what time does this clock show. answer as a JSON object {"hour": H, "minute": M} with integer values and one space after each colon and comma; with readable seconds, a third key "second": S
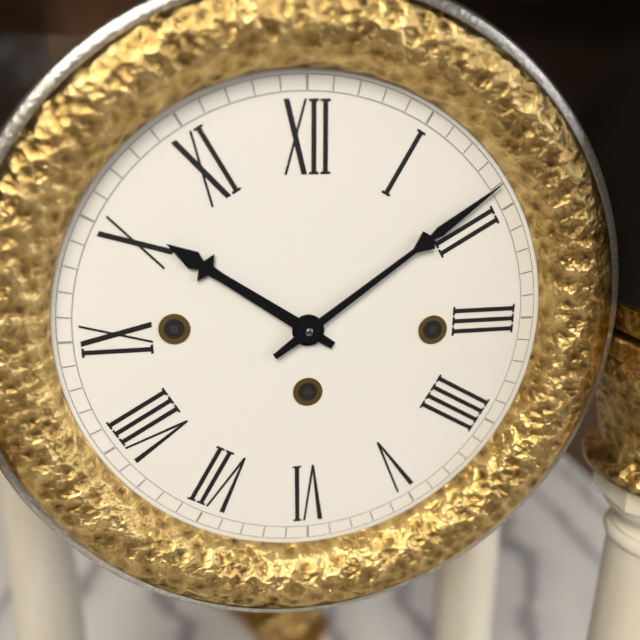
{"hour": 10, "minute": 9}
